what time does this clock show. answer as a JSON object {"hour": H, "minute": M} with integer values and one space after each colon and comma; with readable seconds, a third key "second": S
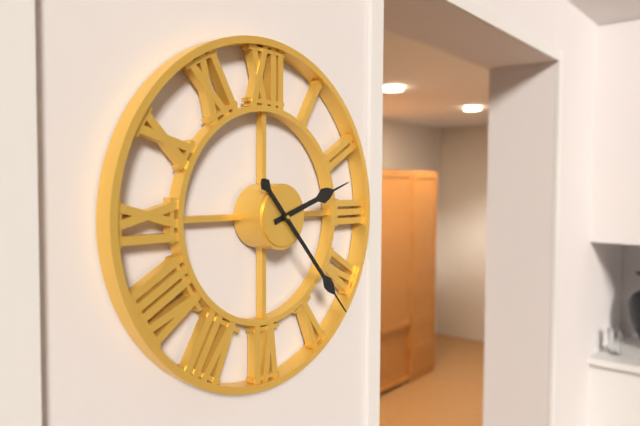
{"hour": 2, "minute": 23}
